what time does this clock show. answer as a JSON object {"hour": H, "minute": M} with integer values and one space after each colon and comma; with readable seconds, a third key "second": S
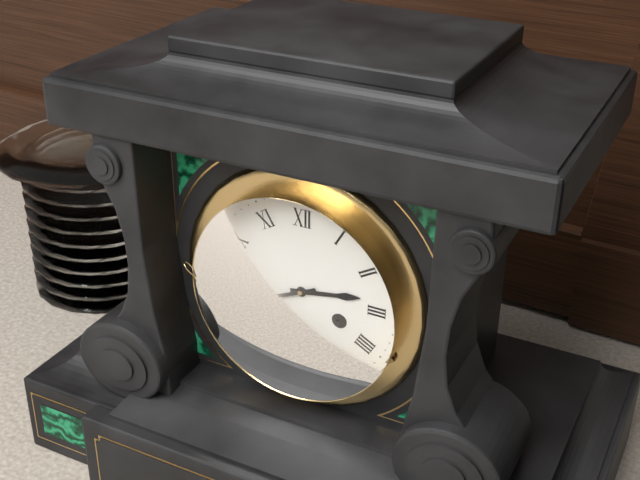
{"hour": 2, "minute": 41}
